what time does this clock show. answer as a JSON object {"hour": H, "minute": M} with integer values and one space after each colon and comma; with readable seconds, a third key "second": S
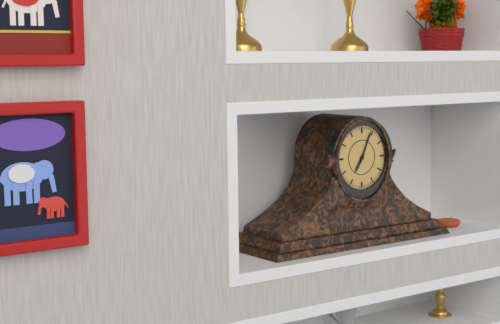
{"hour": 7, "minute": 4}
